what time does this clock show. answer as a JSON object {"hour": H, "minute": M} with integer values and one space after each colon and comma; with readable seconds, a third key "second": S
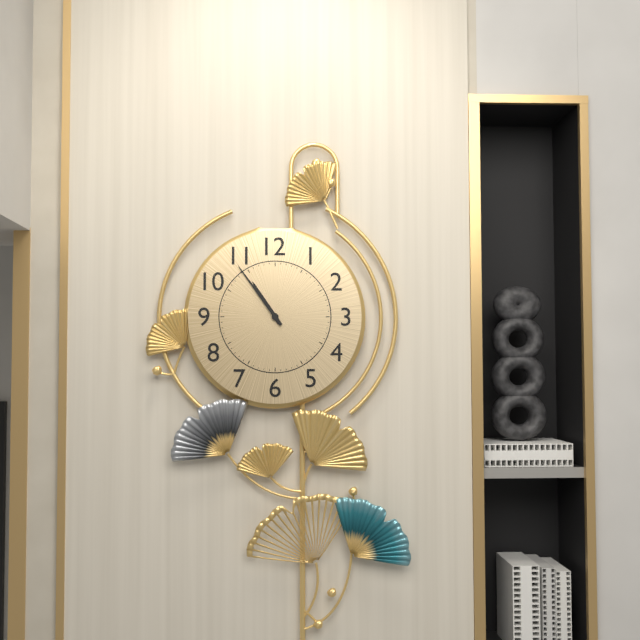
{"hour": 10, "minute": 54}
